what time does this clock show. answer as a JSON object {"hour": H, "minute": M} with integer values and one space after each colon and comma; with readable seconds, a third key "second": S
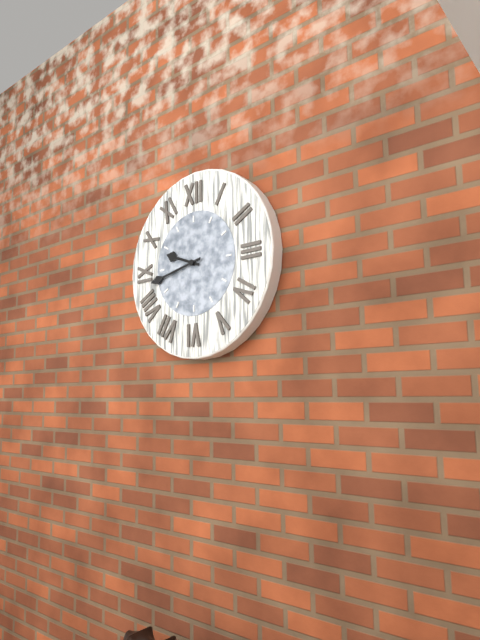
{"hour": 9, "minute": 43}
